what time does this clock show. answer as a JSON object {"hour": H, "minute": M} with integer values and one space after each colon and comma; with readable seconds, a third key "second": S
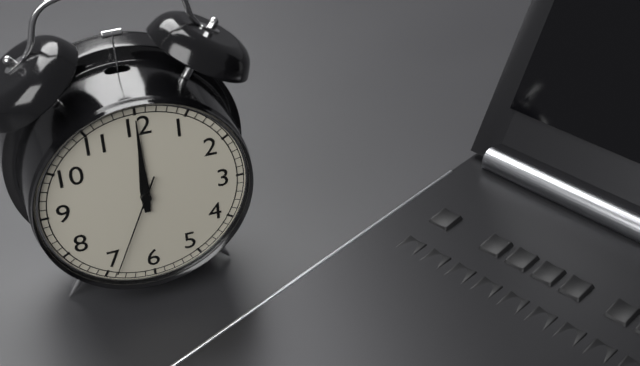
{"hour": 12, "minute": 0, "second": 34}
